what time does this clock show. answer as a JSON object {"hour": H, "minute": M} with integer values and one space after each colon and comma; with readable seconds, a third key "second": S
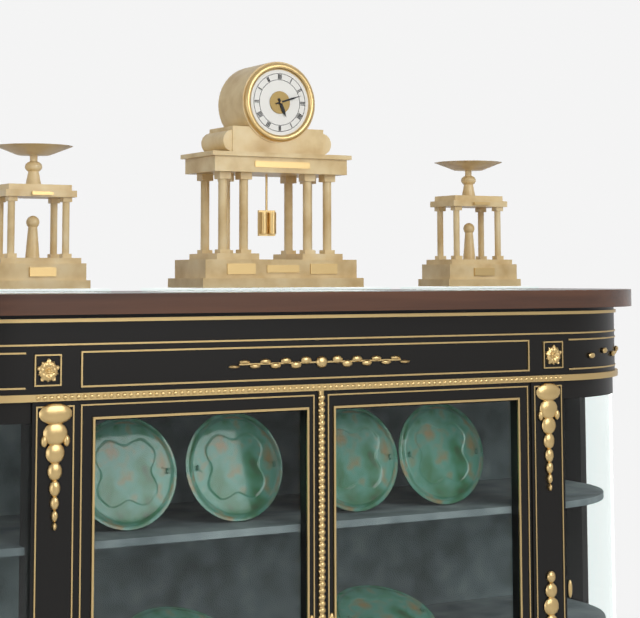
{"hour": 5, "minute": 12}
